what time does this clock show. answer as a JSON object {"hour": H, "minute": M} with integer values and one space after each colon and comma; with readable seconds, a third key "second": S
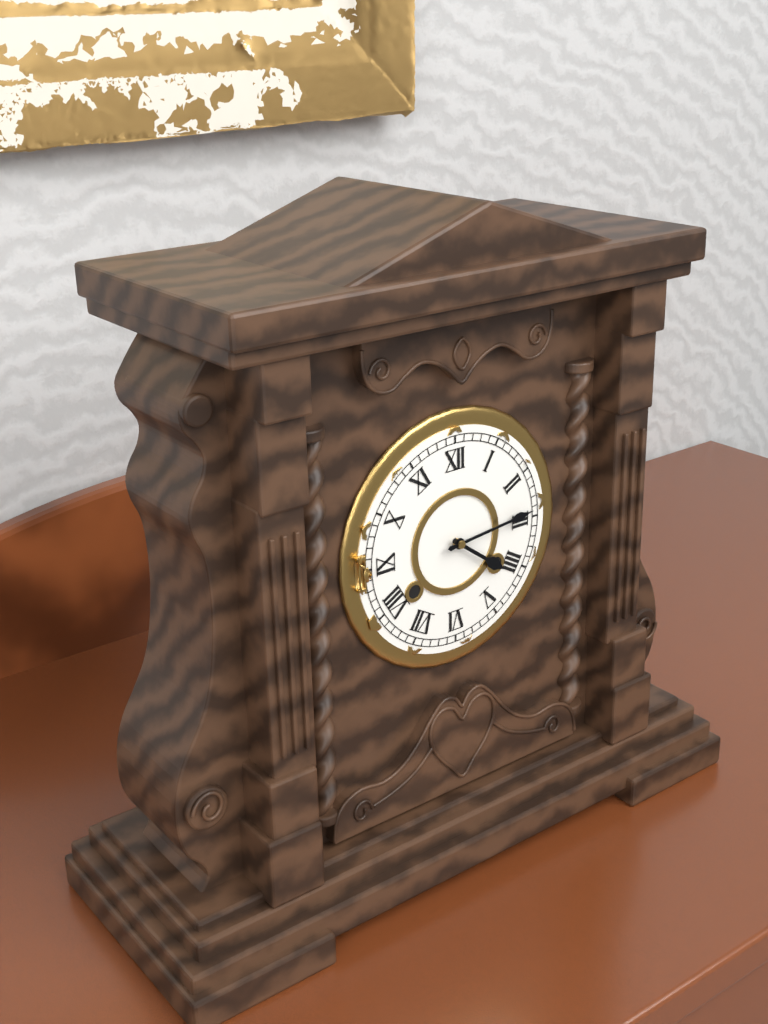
{"hour": 4, "minute": 14}
